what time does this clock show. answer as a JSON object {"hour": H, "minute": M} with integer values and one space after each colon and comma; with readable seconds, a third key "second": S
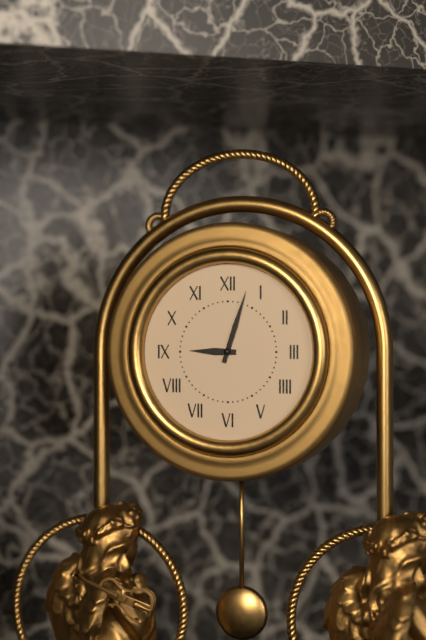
{"hour": 9, "minute": 3}
